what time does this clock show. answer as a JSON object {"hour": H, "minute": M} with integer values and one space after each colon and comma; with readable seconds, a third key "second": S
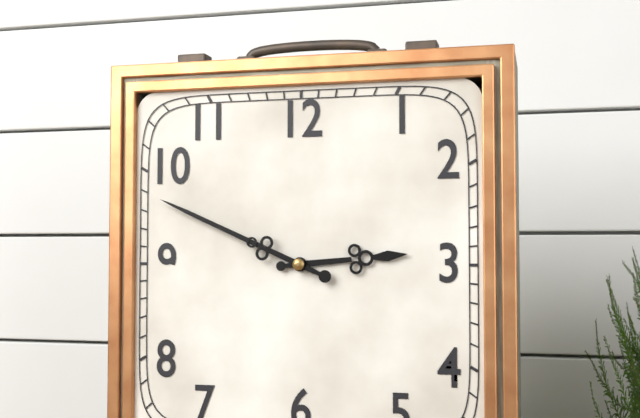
{"hour": 2, "minute": 49}
